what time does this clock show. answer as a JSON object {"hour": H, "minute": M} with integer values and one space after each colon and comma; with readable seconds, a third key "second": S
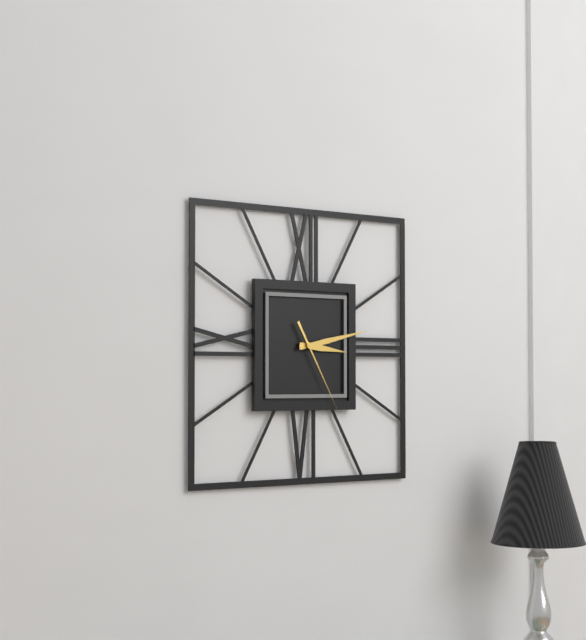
{"hour": 3, "minute": 13, "second": 25}
